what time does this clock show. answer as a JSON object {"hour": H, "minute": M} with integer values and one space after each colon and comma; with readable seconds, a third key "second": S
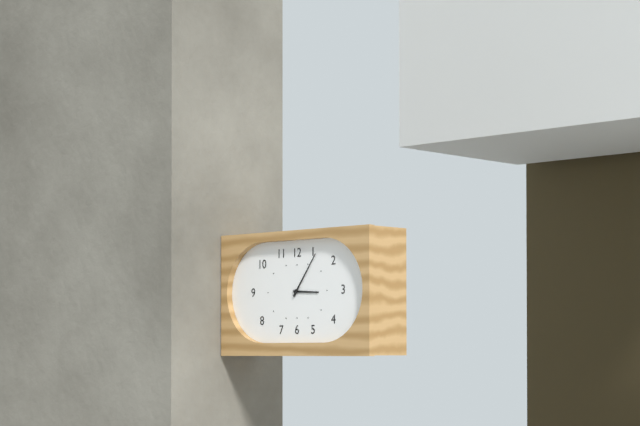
{"hour": 3, "minute": 6}
